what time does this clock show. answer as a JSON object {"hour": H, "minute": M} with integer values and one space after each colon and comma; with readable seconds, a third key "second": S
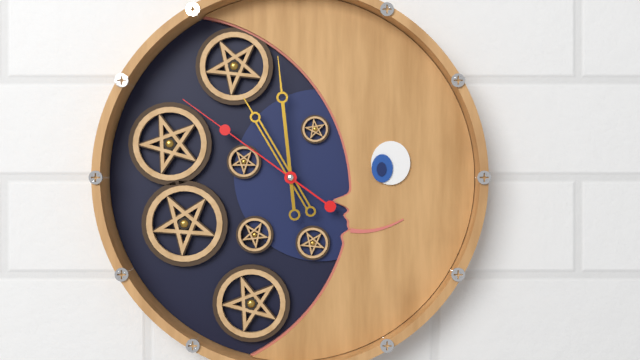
{"hour": 10, "minute": 59, "second": 51}
